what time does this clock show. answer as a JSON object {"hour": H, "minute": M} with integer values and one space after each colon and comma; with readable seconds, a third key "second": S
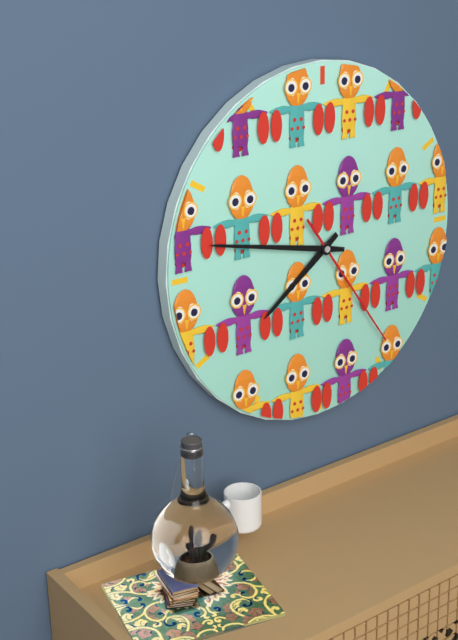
{"hour": 7, "minute": 47, "second": 24}
